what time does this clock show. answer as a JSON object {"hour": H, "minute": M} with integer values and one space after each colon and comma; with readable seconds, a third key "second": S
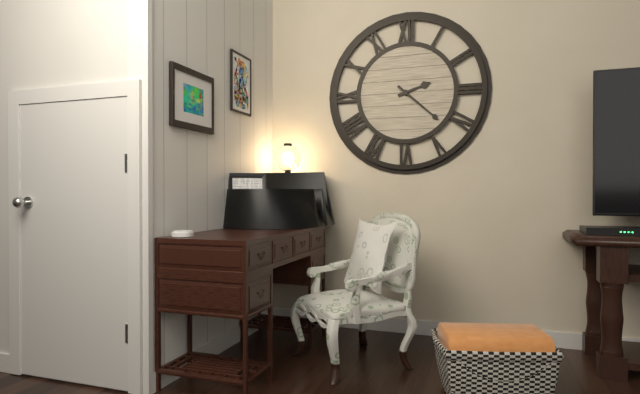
{"hour": 2, "minute": 22}
